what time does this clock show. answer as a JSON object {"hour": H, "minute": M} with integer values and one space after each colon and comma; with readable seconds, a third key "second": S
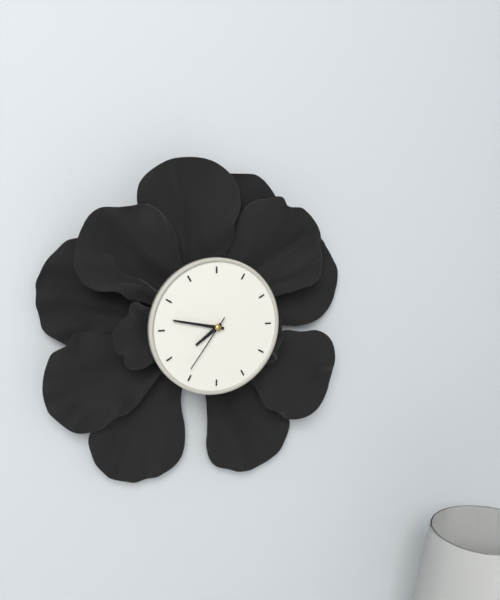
{"hour": 7, "minute": 47, "second": 36}
